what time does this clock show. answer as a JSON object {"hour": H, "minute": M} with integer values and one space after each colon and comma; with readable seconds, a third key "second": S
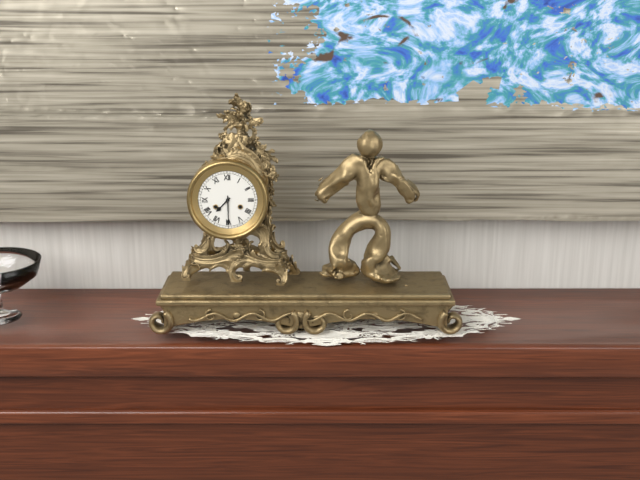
{"hour": 7, "minute": 30}
